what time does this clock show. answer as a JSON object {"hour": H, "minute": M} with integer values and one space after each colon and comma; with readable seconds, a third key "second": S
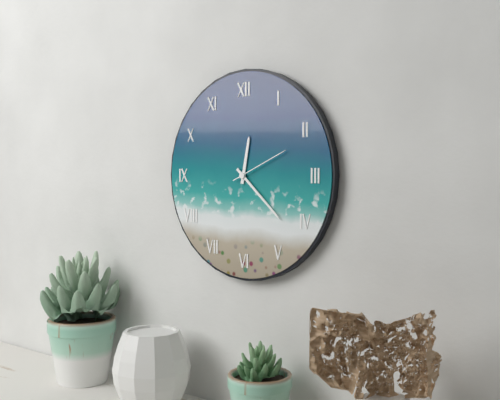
{"hour": 12, "minute": 22, "second": 11}
